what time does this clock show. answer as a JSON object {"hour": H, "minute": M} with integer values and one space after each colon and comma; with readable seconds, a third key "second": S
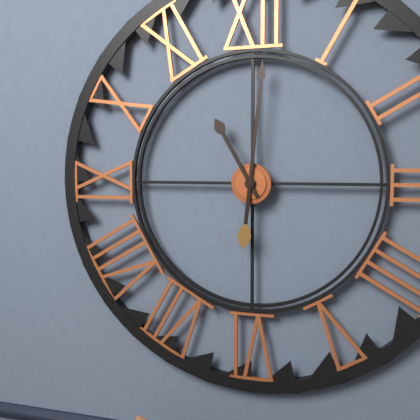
{"hour": 11, "minute": 1}
